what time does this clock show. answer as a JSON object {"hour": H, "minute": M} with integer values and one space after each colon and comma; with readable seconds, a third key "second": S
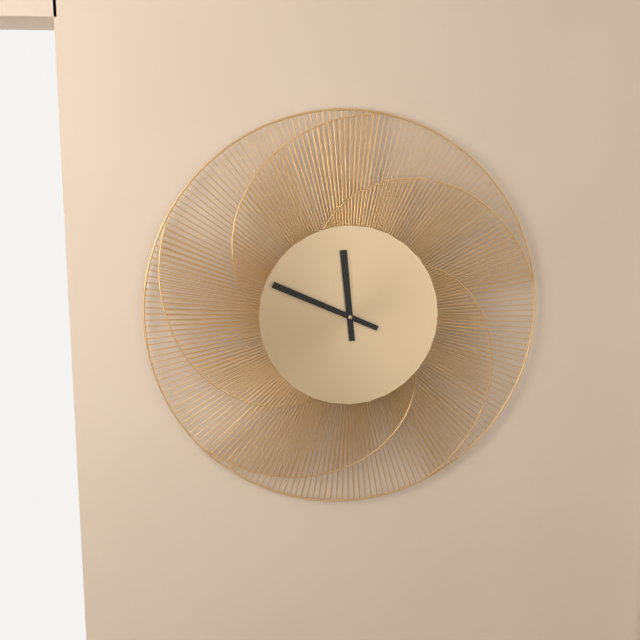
{"hour": 11, "minute": 49}
